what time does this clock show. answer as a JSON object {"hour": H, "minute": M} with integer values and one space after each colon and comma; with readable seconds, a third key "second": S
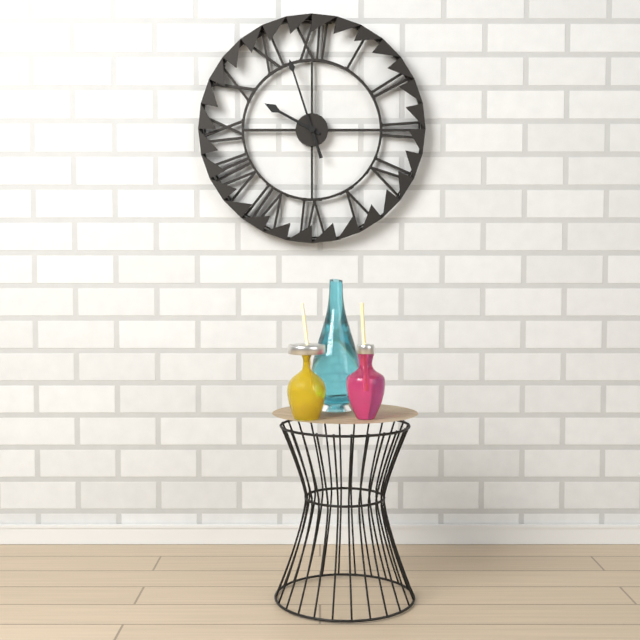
{"hour": 9, "minute": 57}
